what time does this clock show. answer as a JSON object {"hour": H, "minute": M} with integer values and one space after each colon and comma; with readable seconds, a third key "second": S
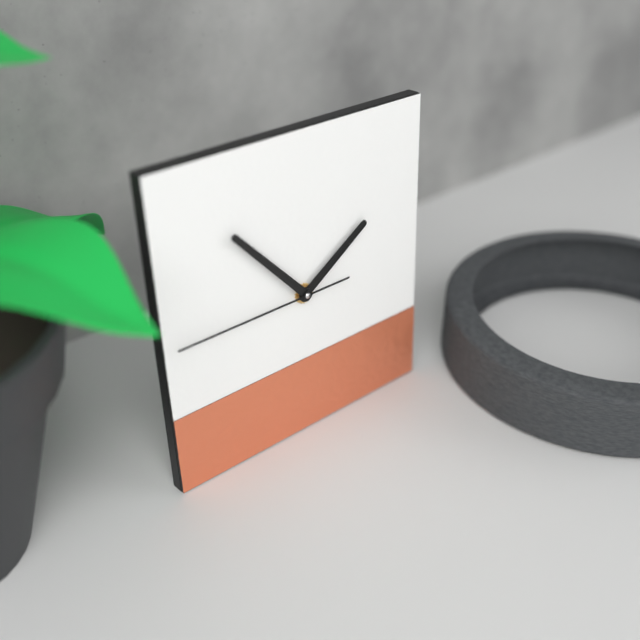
{"hour": 1, "minute": 53, "second": 45}
